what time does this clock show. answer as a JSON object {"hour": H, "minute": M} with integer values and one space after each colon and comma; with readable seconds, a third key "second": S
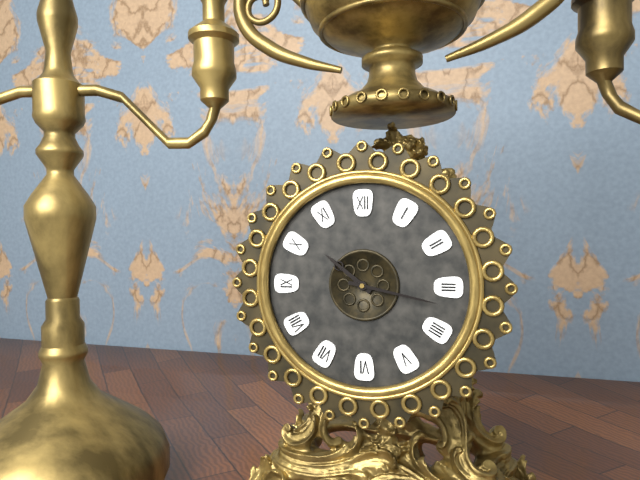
{"hour": 10, "minute": 17}
